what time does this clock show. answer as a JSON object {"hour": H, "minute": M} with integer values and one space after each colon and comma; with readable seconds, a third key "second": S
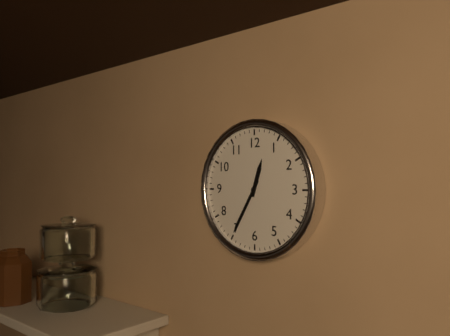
{"hour": 12, "minute": 35}
